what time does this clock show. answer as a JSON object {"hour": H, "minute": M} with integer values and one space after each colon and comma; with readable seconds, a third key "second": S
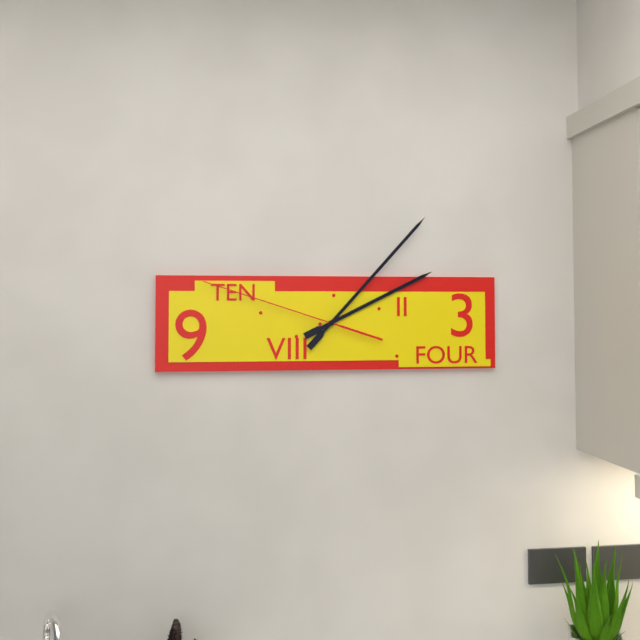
{"hour": 2, "minute": 7, "second": 48}
